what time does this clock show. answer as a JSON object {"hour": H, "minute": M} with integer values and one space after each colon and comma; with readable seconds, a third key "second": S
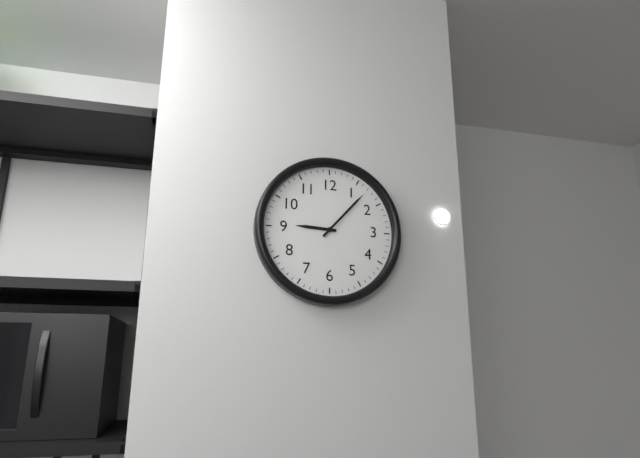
{"hour": 9, "minute": 7}
